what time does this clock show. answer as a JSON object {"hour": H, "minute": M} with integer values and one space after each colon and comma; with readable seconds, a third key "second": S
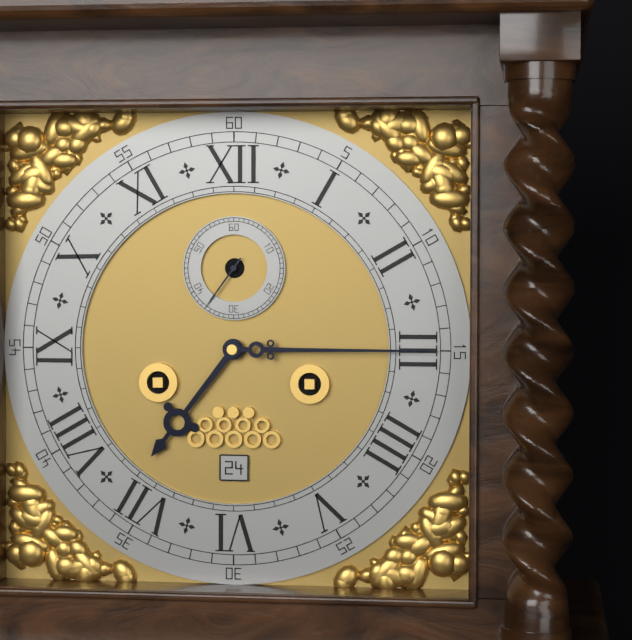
{"hour": 7, "minute": 15, "second": 36}
